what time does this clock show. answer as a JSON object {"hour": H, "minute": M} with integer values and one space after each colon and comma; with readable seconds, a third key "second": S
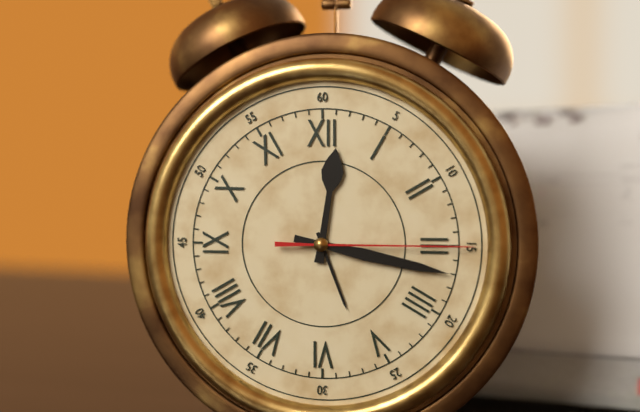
{"hour": 12, "minute": 17, "second": 15}
